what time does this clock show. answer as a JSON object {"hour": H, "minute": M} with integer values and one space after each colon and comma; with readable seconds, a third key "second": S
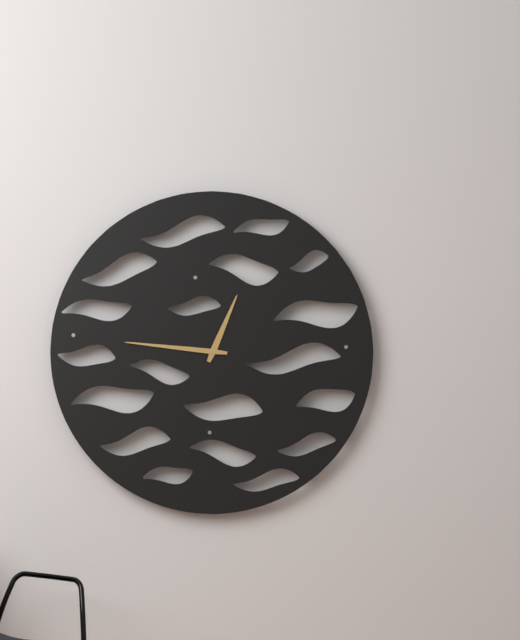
{"hour": 12, "minute": 46}
